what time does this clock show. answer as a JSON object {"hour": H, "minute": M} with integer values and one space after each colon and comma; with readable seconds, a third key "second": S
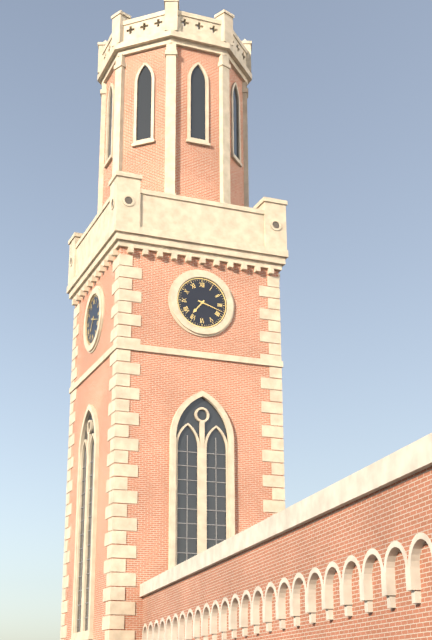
{"hour": 7, "minute": 18}
